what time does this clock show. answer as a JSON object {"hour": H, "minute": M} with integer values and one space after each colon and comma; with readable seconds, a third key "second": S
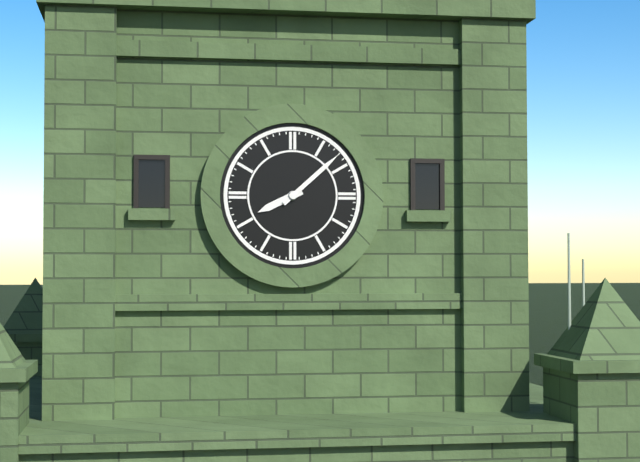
{"hour": 8, "minute": 8}
